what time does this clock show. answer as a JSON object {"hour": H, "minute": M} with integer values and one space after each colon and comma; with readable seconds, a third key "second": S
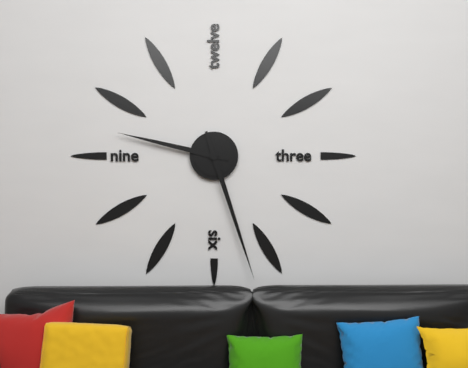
{"hour": 9, "minute": 27}
